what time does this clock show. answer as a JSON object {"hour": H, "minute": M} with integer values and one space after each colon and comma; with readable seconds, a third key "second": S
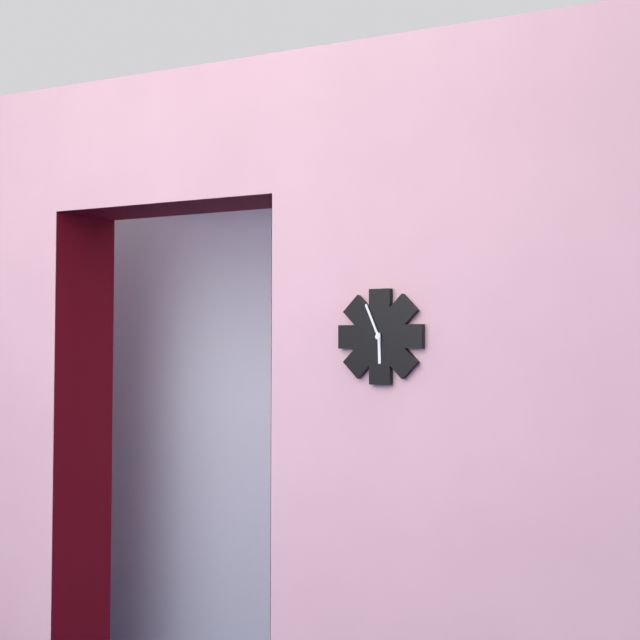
{"hour": 5, "minute": 56}
